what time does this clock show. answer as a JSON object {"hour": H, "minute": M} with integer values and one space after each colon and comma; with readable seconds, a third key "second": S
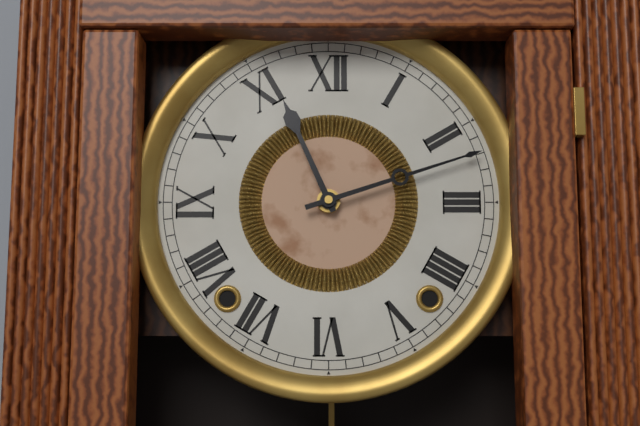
{"hour": 11, "minute": 12}
